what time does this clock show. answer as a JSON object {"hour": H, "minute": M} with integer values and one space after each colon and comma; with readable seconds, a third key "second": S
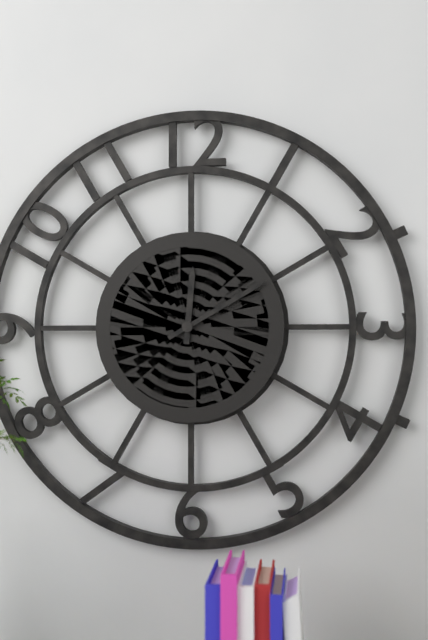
{"hour": 12, "minute": 10}
